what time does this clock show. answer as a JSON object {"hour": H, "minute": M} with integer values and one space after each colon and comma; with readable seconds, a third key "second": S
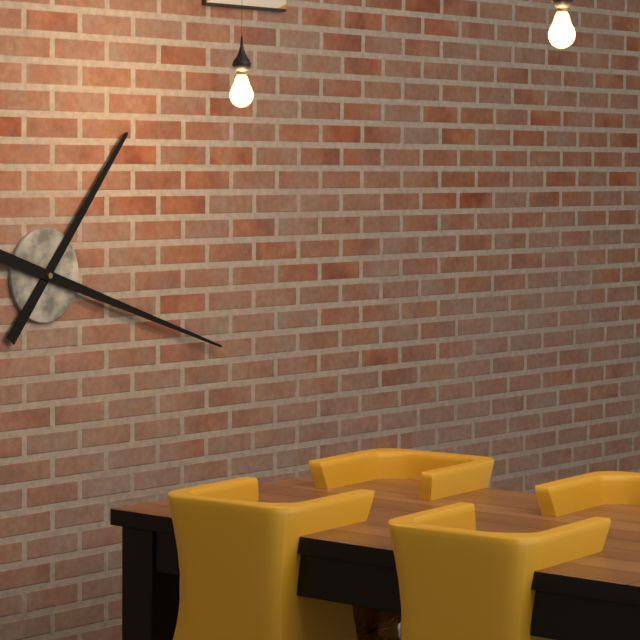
{"hour": 1, "minute": 18}
